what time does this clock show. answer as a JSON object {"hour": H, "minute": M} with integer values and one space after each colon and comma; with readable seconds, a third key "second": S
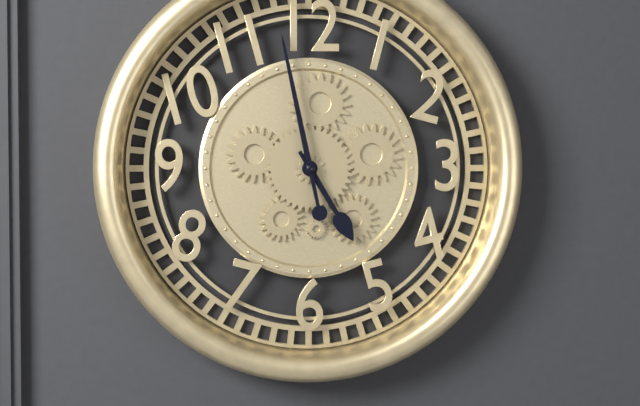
{"hour": 4, "minute": 58}
